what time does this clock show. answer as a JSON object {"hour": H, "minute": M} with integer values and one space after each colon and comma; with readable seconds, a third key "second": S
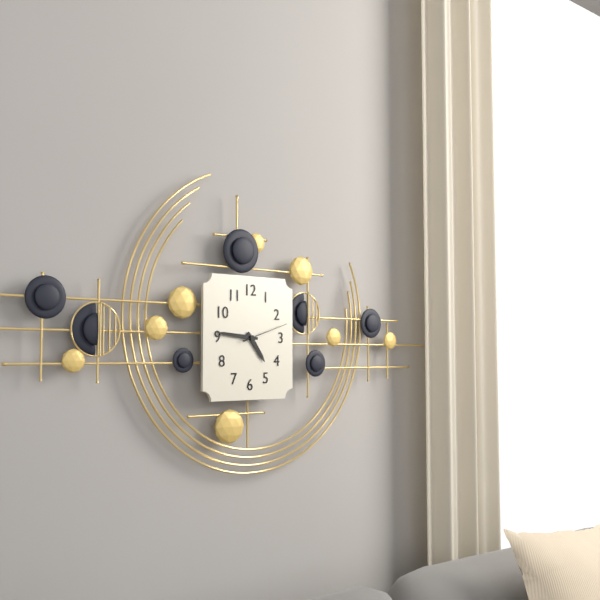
{"hour": 4, "minute": 46}
